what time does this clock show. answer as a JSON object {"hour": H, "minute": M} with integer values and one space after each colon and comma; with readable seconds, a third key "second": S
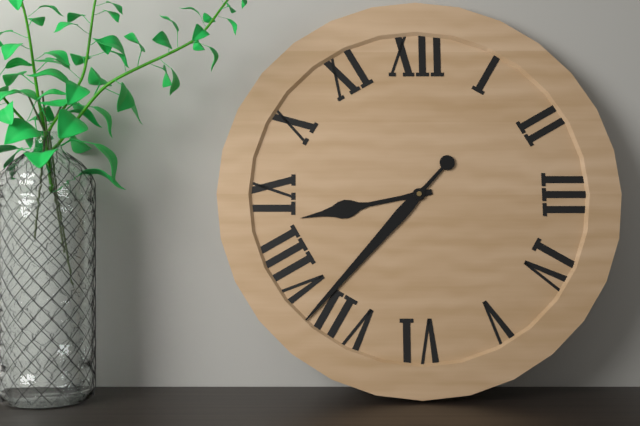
{"hour": 8, "minute": 37}
